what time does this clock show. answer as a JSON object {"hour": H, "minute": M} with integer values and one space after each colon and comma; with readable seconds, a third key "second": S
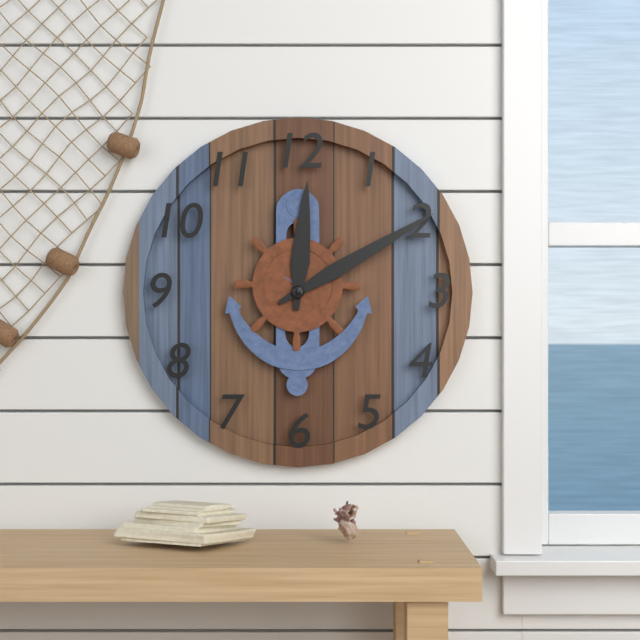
{"hour": 12, "minute": 10}
